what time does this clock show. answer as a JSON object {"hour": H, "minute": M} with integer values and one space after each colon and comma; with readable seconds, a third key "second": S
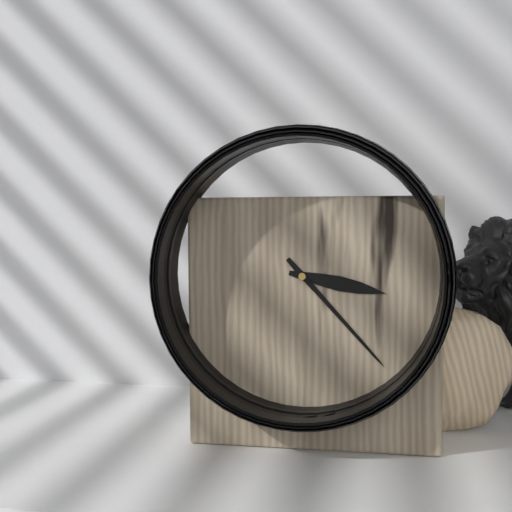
{"hour": 3, "minute": 23}
